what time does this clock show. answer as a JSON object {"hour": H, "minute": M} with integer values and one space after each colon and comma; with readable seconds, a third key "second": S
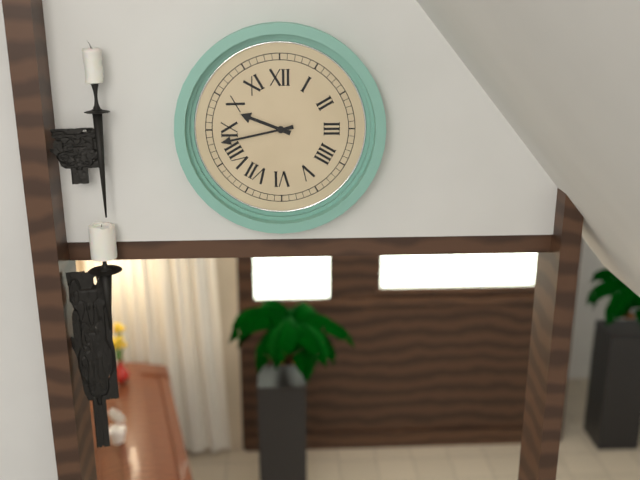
{"hour": 9, "minute": 43}
